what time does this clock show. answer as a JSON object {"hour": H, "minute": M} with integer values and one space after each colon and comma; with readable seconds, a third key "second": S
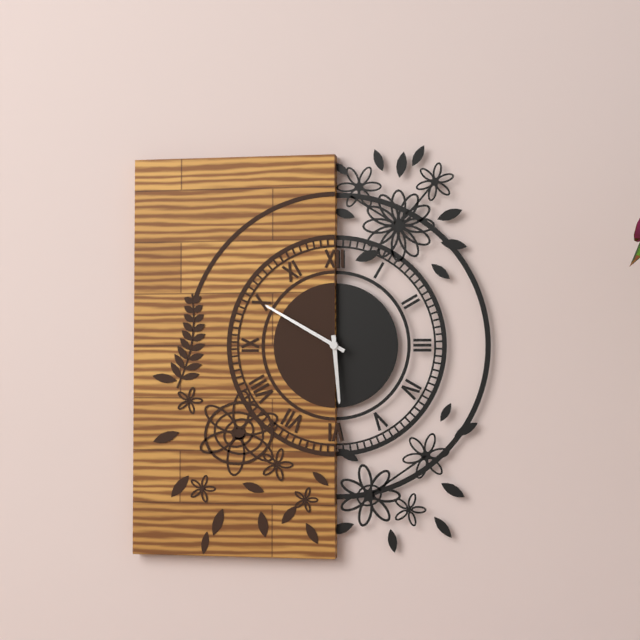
{"hour": 5, "minute": 50}
